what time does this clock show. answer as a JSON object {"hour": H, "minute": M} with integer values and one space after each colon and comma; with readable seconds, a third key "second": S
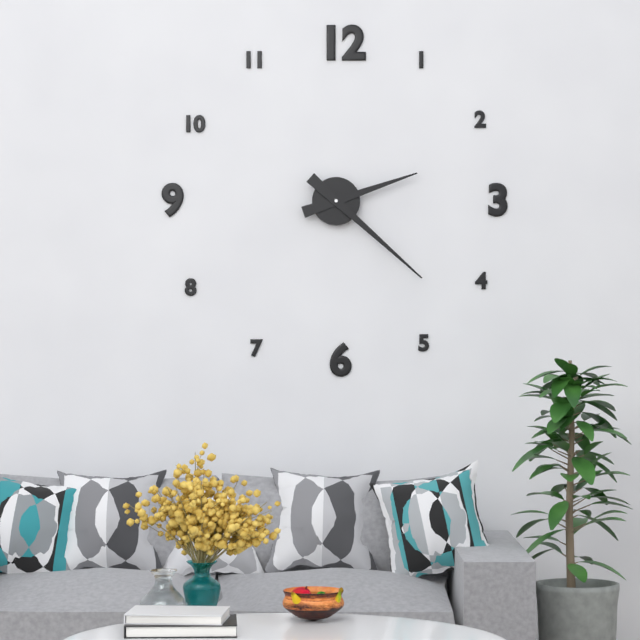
{"hour": 2, "minute": 22}
